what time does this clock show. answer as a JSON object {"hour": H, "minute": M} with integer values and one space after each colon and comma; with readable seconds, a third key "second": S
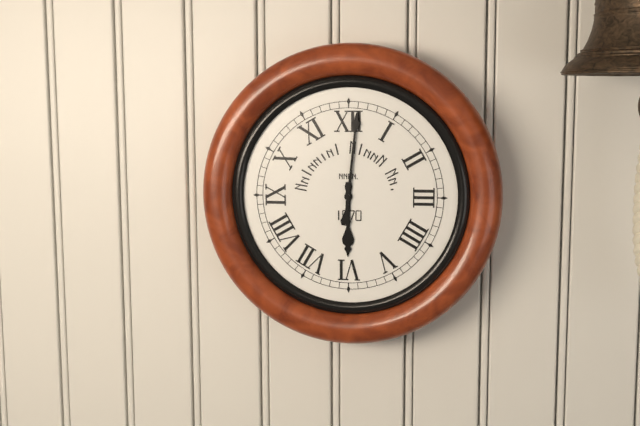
{"hour": 6, "minute": 1}
